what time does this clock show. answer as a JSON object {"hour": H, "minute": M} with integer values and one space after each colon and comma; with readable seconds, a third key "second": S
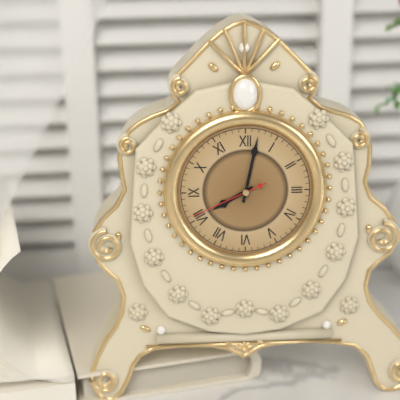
{"hour": 8, "minute": 2, "second": 41}
